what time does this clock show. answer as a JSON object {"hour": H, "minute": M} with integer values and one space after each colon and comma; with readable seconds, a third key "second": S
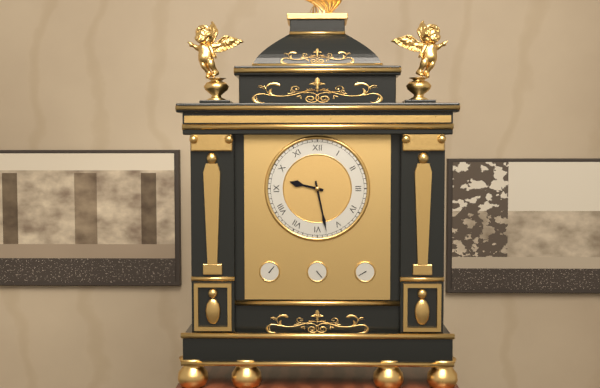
{"hour": 9, "minute": 28}
